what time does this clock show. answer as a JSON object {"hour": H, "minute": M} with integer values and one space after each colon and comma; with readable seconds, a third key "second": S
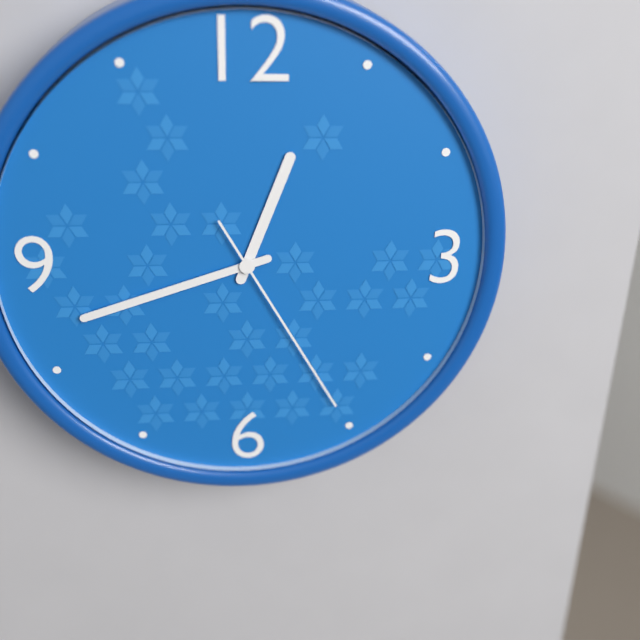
{"hour": 12, "minute": 42, "second": 25}
